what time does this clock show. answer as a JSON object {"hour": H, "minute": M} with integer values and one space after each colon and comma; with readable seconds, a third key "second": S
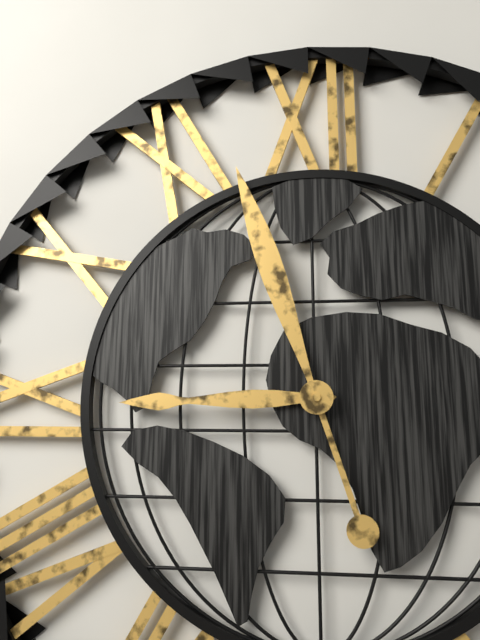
{"hour": 8, "minute": 57}
